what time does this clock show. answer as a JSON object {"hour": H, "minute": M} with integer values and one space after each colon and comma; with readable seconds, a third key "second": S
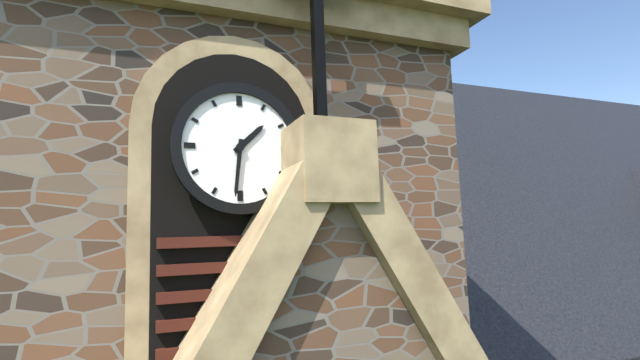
{"hour": 1, "minute": 31}
